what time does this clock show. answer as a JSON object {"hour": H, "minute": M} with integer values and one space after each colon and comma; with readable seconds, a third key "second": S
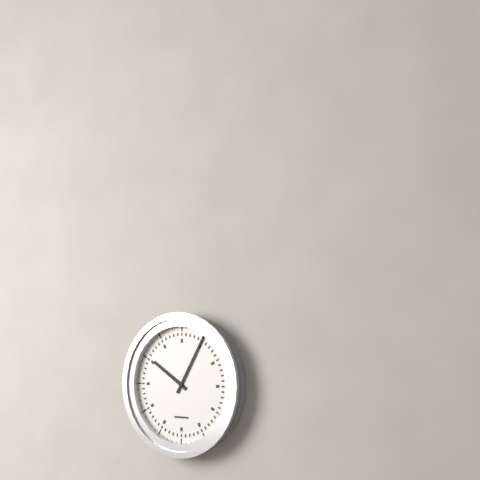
{"hour": 10, "minute": 5}
